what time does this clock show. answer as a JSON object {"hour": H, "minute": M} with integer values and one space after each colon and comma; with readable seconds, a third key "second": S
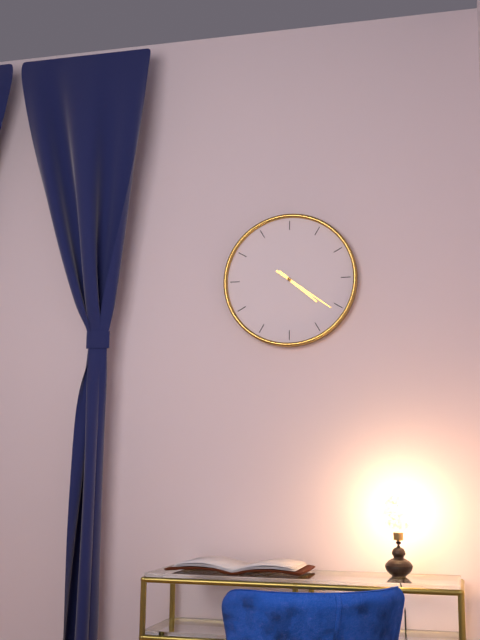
{"hour": 4, "minute": 21}
